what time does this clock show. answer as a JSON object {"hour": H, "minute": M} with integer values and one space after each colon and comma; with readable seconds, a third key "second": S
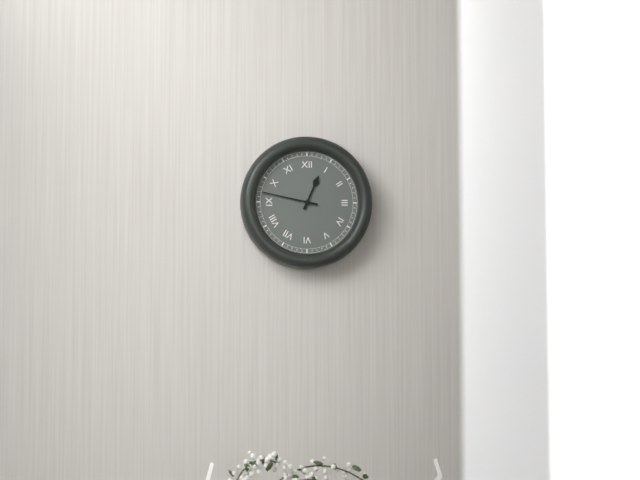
{"hour": 12, "minute": 47}
